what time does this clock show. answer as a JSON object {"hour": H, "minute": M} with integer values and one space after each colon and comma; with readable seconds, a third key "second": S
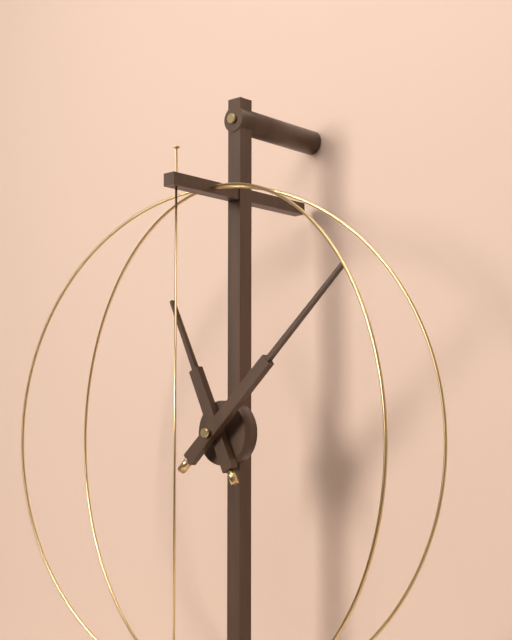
{"hour": 11, "minute": 8}
